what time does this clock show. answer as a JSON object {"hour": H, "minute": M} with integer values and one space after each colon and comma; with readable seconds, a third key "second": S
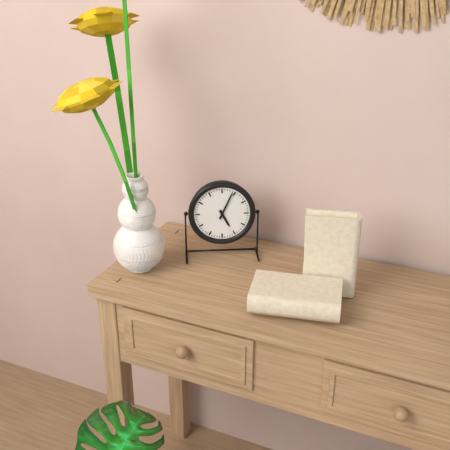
{"hour": 5, "minute": 4}
